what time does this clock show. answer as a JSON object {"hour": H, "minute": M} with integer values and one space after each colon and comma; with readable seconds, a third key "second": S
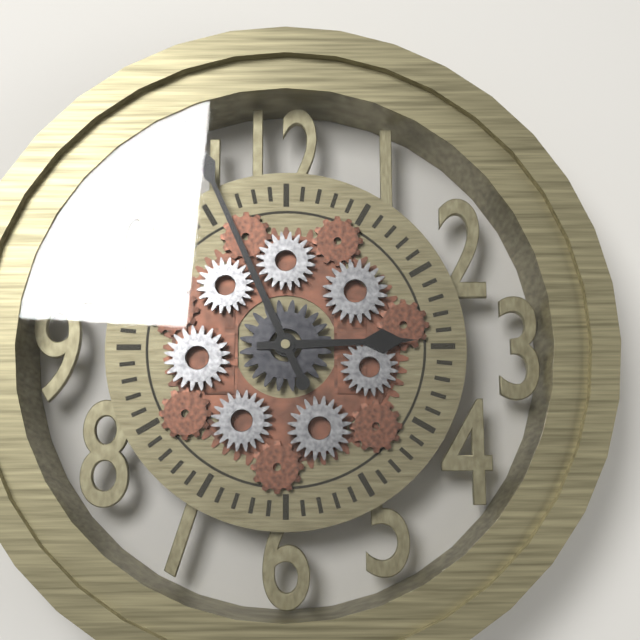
{"hour": 2, "minute": 56}
